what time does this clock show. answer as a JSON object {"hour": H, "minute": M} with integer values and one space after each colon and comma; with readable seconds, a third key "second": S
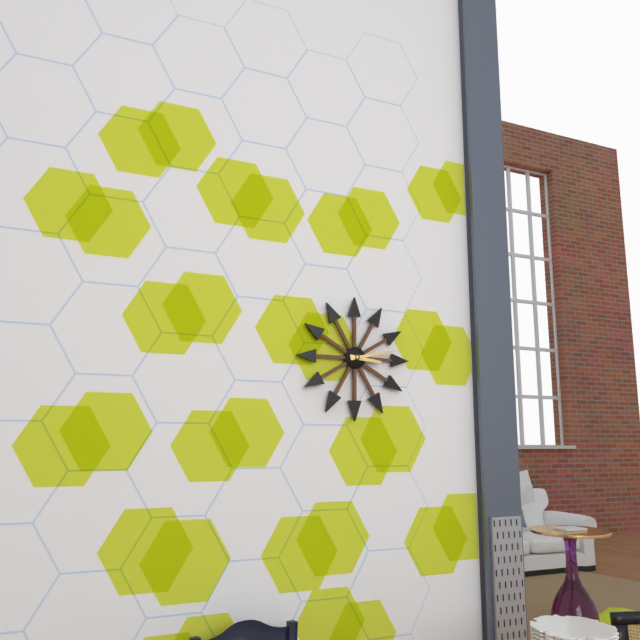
{"hour": 3, "minute": 13}
